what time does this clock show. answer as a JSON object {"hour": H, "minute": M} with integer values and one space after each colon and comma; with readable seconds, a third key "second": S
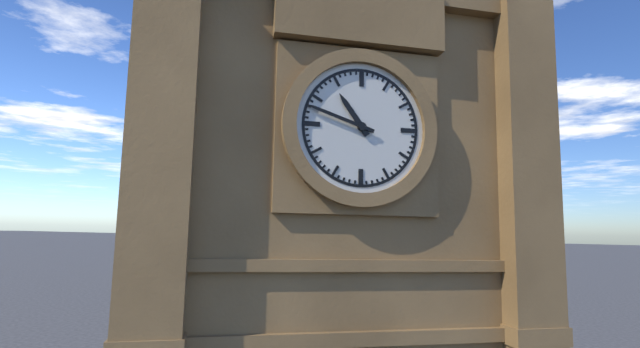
{"hour": 10, "minute": 48}
